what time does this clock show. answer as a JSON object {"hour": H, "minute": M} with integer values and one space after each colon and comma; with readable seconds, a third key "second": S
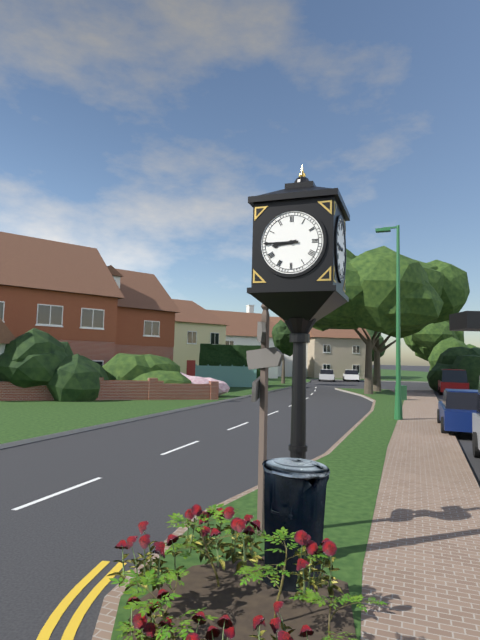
{"hour": 8, "minute": 45}
